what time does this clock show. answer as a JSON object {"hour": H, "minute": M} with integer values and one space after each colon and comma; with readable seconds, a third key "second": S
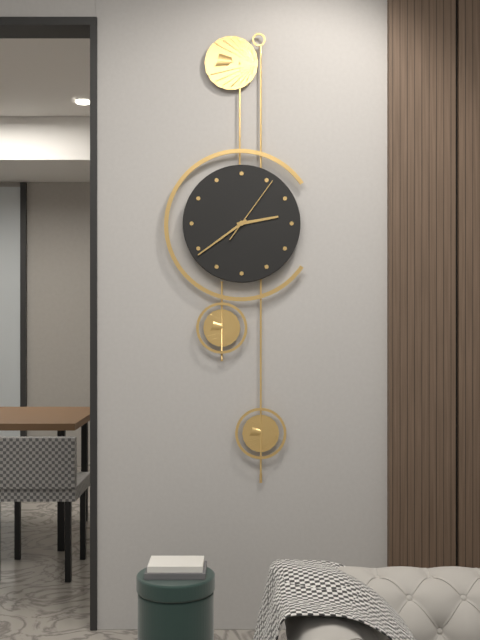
{"hour": 2, "minute": 39, "second": 6}
